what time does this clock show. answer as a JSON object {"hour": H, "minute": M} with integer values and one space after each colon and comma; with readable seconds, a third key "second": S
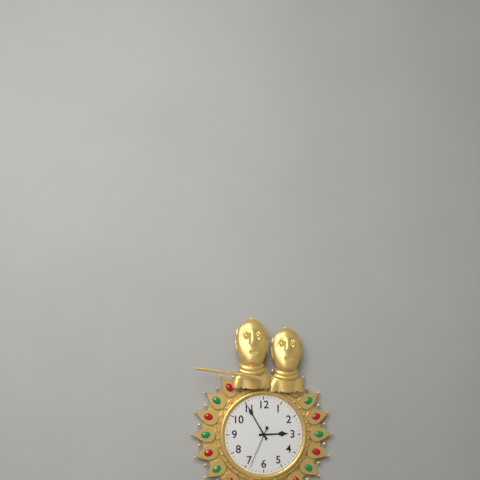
{"hour": 2, "minute": 55}
